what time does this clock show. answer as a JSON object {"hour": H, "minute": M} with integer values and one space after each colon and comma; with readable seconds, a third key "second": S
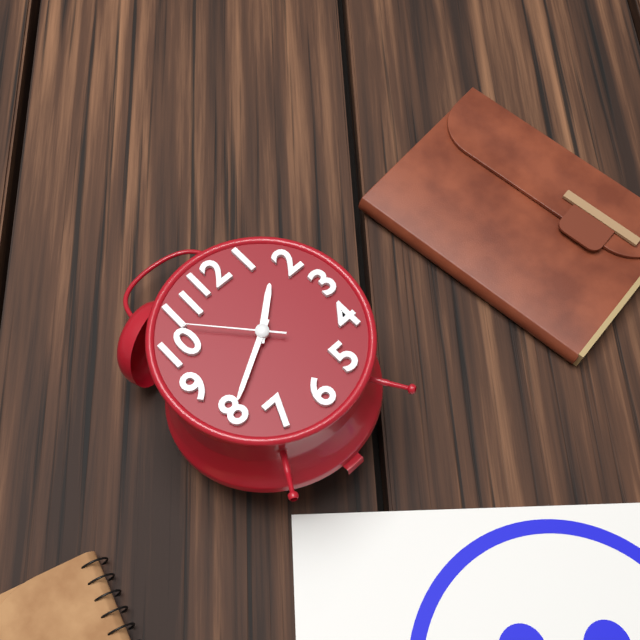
{"hour": 1, "minute": 40, "second": 53}
